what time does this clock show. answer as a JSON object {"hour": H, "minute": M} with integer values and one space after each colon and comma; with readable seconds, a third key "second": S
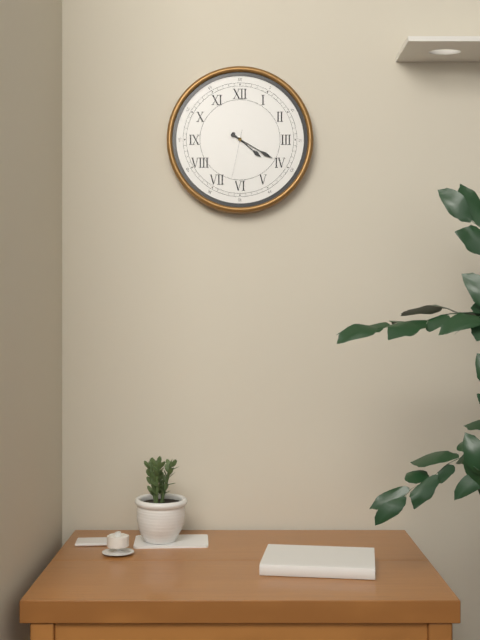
{"hour": 4, "minute": 20}
